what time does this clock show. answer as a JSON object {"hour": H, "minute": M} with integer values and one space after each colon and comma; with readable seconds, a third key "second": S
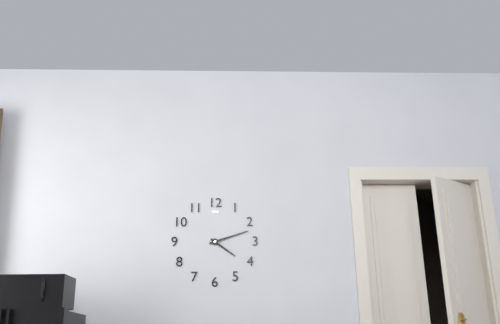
{"hour": 4, "minute": 12}
